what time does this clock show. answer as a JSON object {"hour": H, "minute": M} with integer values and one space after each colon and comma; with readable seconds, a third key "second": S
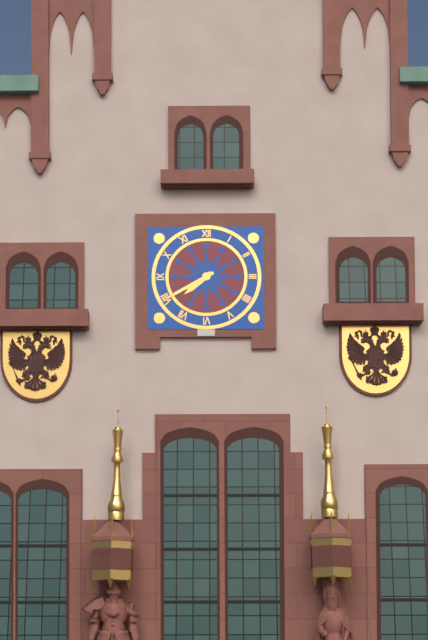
{"hour": 7, "minute": 40}
